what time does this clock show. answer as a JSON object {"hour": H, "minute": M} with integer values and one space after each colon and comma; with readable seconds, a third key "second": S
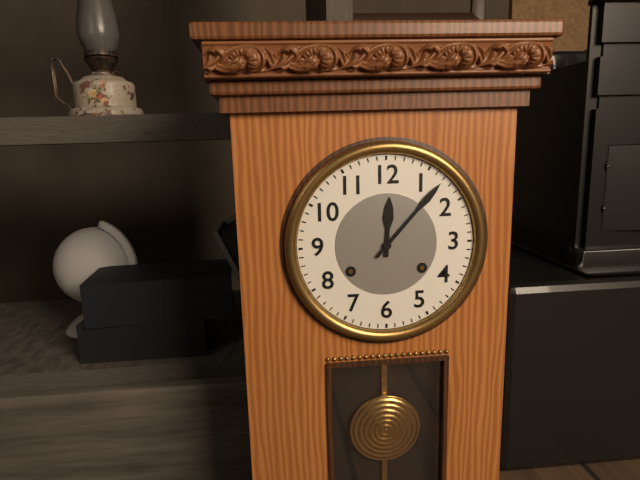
{"hour": 12, "minute": 7}
